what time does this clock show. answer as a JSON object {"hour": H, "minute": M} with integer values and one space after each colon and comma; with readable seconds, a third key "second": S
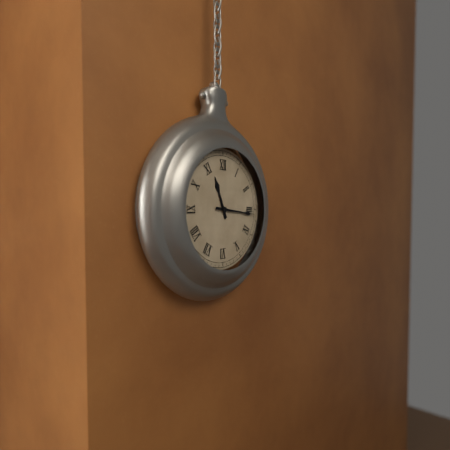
{"hour": 11, "minute": 16}
